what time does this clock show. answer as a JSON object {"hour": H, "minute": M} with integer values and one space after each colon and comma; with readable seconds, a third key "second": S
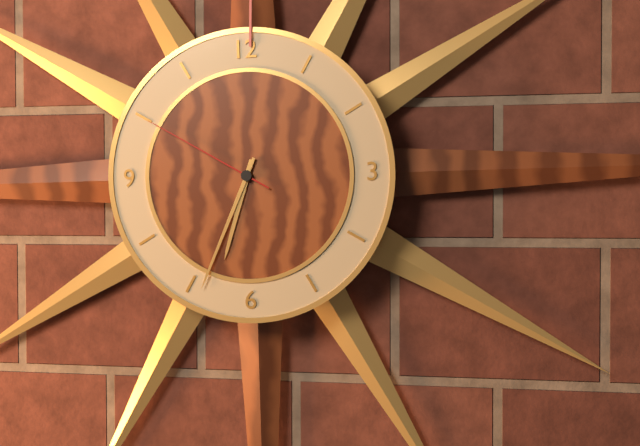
{"hour": 6, "minute": 34, "second": 50}
